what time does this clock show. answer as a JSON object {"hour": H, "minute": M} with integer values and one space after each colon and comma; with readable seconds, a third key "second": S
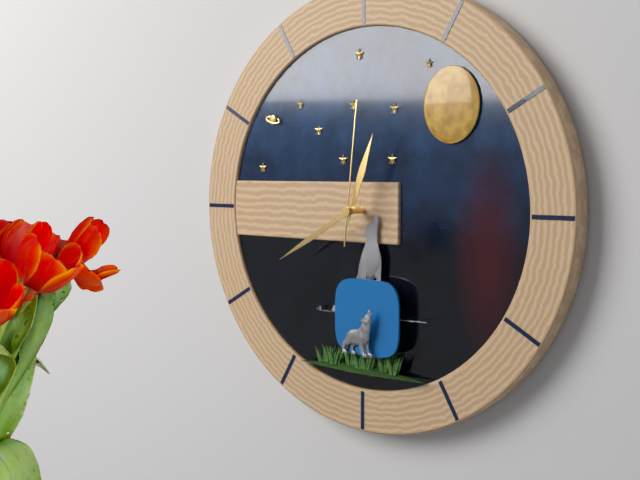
{"hour": 12, "minute": 40, "second": 1}
